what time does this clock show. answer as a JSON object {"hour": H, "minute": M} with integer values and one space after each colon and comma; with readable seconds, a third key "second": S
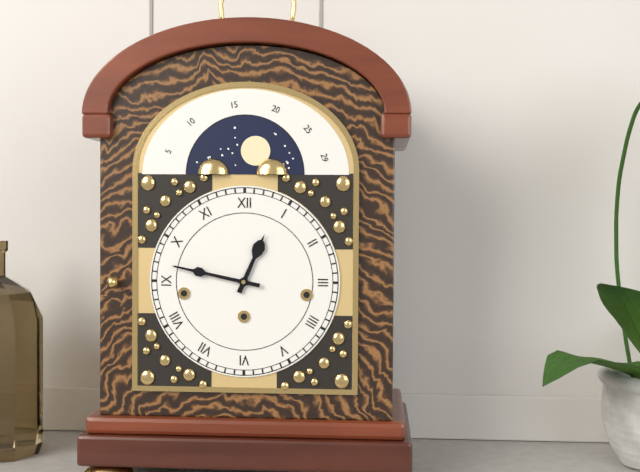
{"hour": 12, "minute": 47}
